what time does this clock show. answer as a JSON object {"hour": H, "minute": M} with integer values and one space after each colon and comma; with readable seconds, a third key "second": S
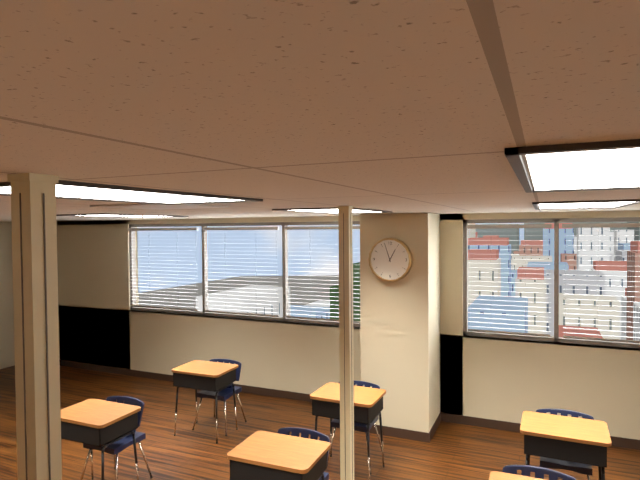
{"hour": 12, "minute": 57}
